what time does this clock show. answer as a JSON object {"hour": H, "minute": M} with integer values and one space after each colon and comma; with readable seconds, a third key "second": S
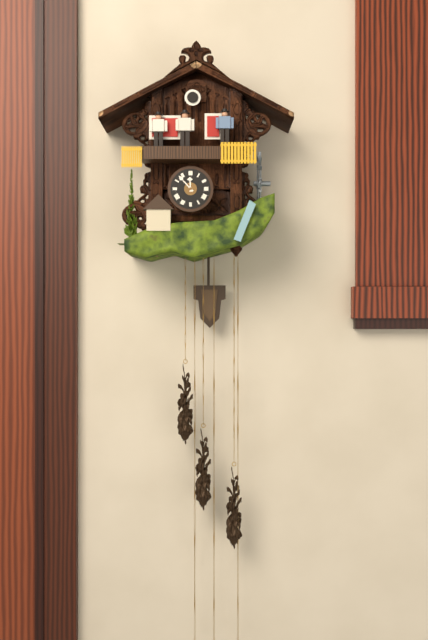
{"hour": 11, "minute": 53}
